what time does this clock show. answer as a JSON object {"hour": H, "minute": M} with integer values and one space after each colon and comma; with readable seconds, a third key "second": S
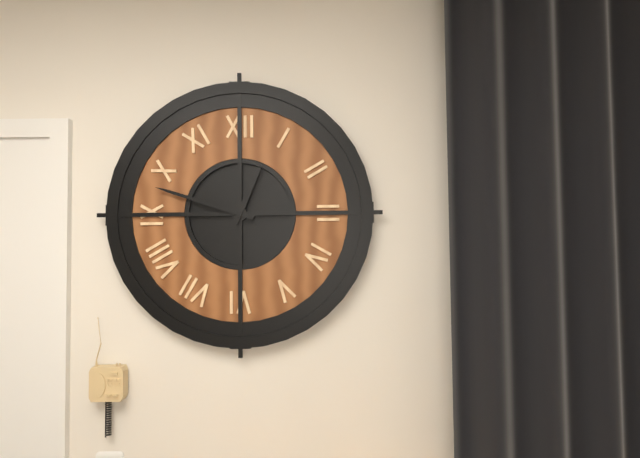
{"hour": 12, "minute": 48}
